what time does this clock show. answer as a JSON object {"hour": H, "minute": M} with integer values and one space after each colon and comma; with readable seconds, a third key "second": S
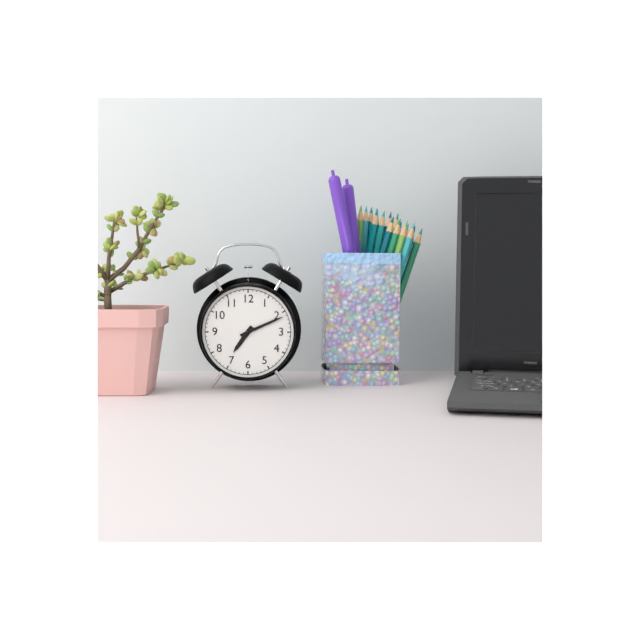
{"hour": 7, "minute": 11}
